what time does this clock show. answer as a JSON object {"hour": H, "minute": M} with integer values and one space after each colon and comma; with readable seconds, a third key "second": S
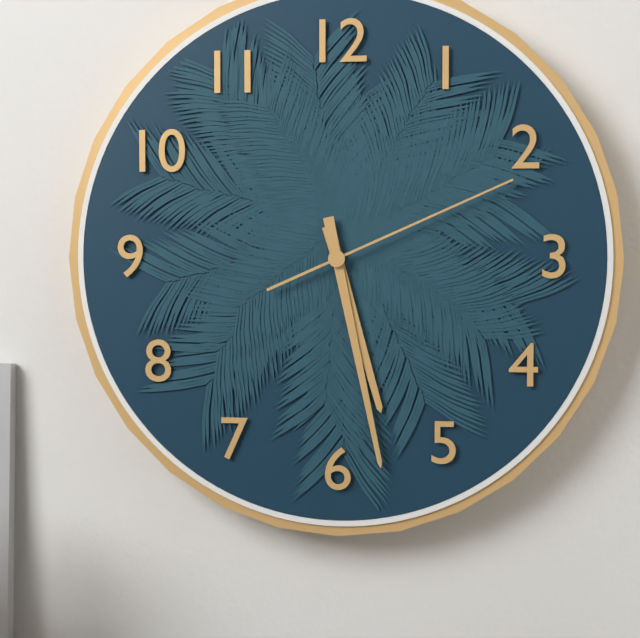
{"hour": 5, "minute": 28, "second": 11}
